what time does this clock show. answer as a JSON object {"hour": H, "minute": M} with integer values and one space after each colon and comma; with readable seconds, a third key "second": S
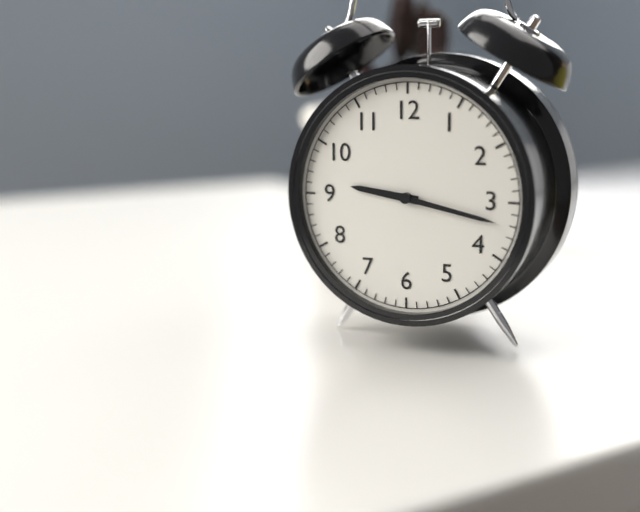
{"hour": 9, "minute": 17}
